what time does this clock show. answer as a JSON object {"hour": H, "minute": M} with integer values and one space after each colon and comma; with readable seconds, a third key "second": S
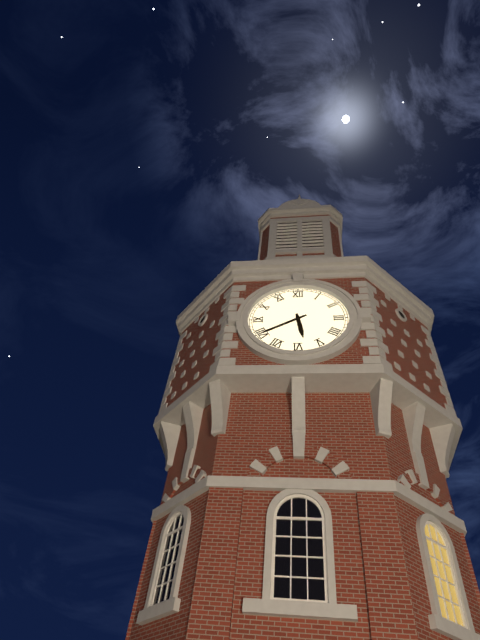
{"hour": 5, "minute": 40}
